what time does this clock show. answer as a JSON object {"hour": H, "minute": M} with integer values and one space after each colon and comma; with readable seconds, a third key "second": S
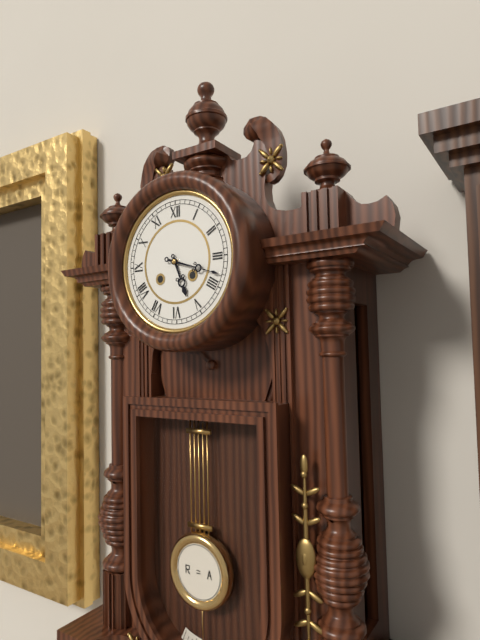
{"hour": 5, "minute": 18}
